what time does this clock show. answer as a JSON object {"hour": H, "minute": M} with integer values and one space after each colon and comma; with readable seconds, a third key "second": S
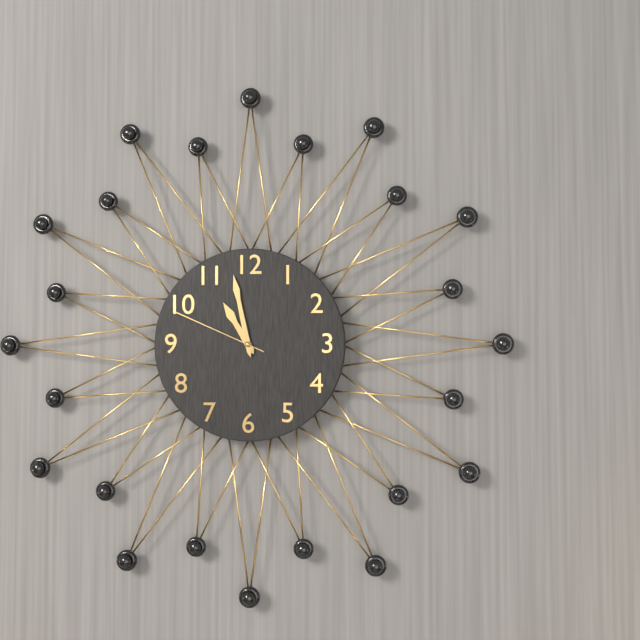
{"hour": 10, "minute": 58, "second": 49}
